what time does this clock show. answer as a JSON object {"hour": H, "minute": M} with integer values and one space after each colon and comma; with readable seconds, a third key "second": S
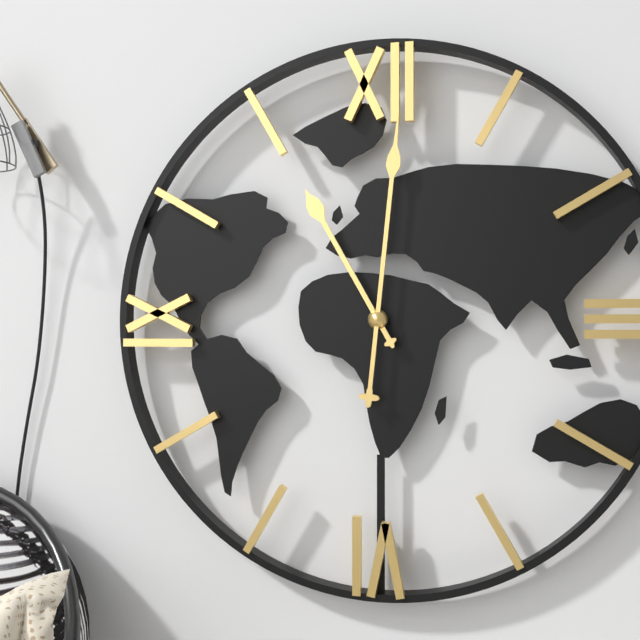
{"hour": 11, "minute": 1}
